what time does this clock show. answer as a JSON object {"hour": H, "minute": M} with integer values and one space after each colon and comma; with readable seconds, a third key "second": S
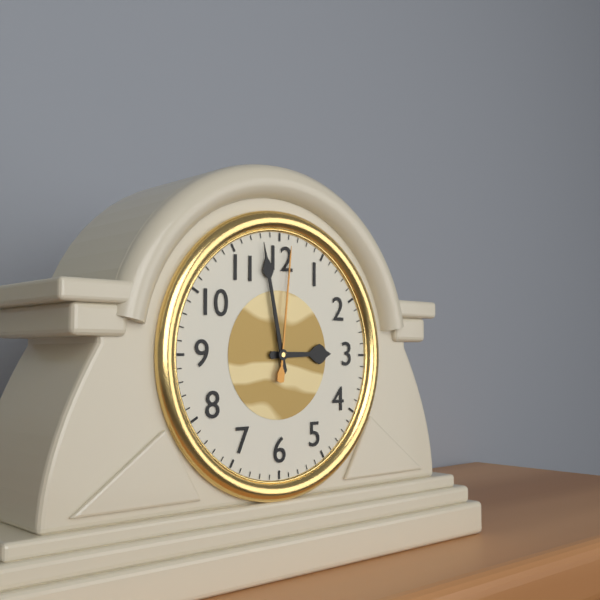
{"hour": 2, "minute": 58, "second": 1}
